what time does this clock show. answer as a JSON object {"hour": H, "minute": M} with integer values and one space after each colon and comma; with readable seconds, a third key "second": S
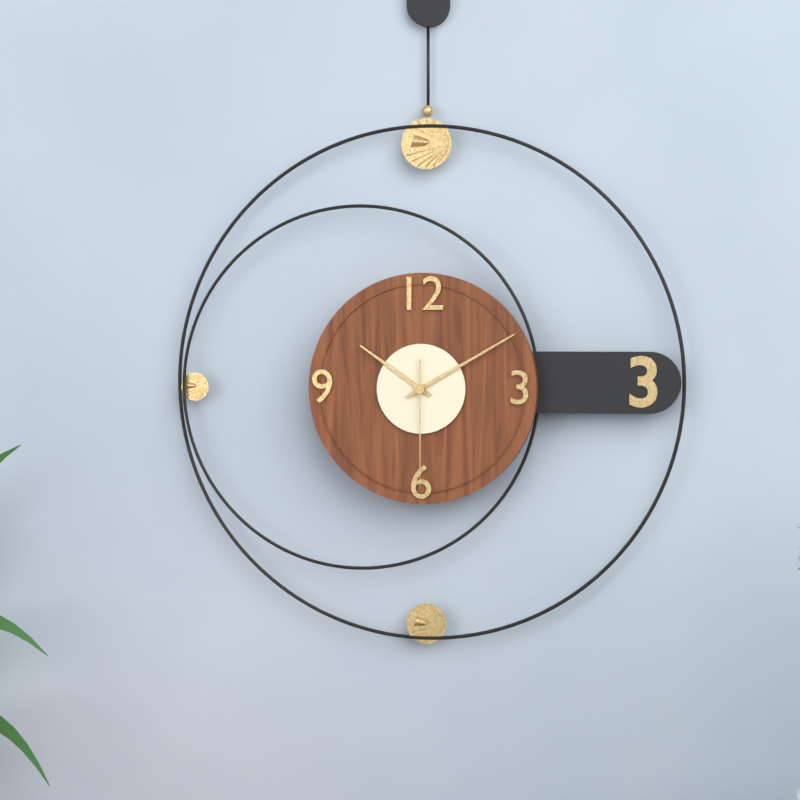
{"hour": 10, "minute": 10, "second": 30}
